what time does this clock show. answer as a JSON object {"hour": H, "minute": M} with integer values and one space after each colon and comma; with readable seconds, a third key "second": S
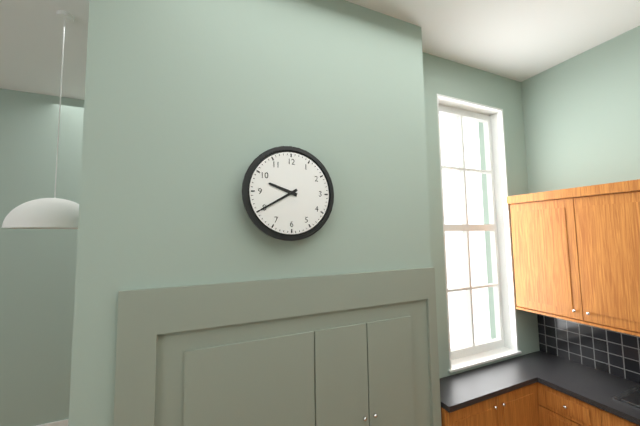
{"hour": 9, "minute": 40}
